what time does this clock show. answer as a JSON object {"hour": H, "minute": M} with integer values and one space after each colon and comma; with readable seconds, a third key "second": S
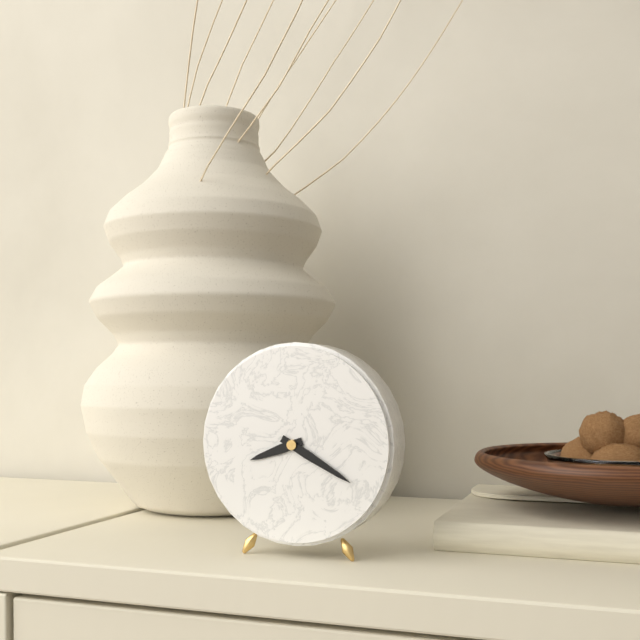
{"hour": 8, "minute": 20}
